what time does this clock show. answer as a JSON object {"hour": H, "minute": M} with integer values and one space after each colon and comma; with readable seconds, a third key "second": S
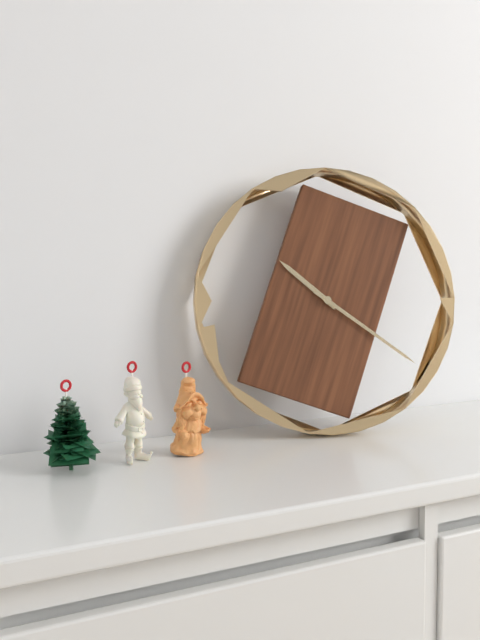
{"hour": 10, "minute": 21}
